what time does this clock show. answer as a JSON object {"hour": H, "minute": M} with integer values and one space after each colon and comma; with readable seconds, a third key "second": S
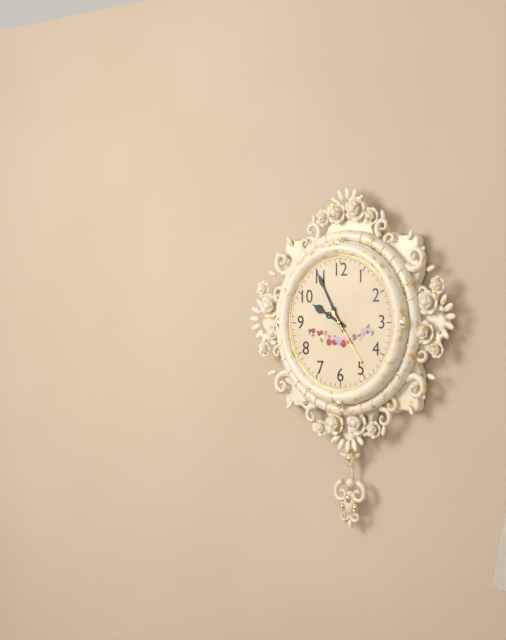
{"hour": 9, "minute": 55, "second": 24}
